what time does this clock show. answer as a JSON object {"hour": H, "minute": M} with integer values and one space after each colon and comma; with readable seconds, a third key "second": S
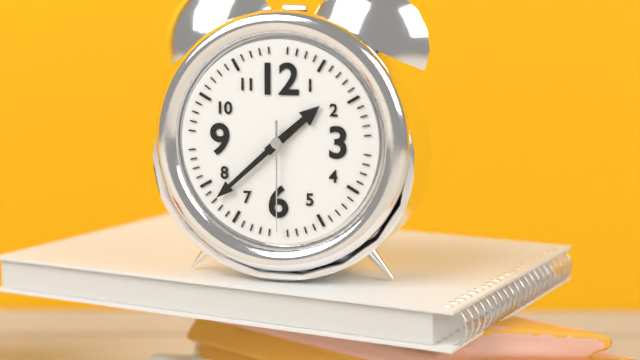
{"hour": 1, "minute": 38, "second": 30}
